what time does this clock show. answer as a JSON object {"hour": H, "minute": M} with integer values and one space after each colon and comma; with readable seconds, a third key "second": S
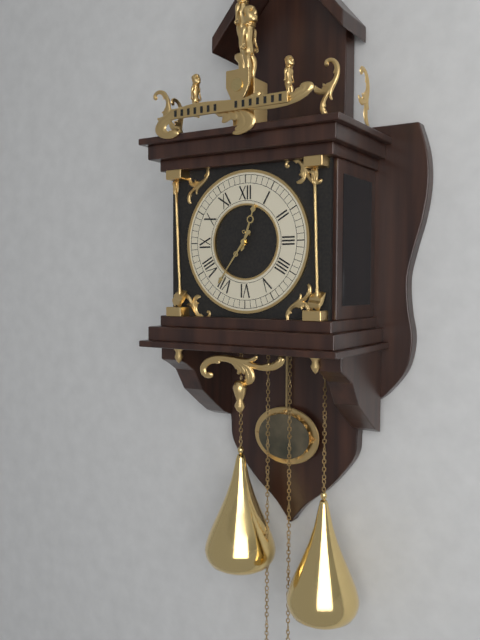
{"hour": 12, "minute": 36}
